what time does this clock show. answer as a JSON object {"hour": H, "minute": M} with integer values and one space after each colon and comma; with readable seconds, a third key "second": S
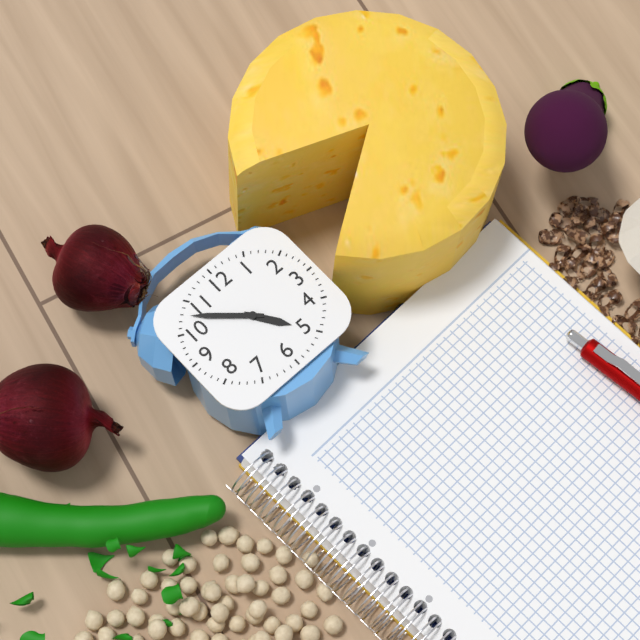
{"hour": 4, "minute": 52}
